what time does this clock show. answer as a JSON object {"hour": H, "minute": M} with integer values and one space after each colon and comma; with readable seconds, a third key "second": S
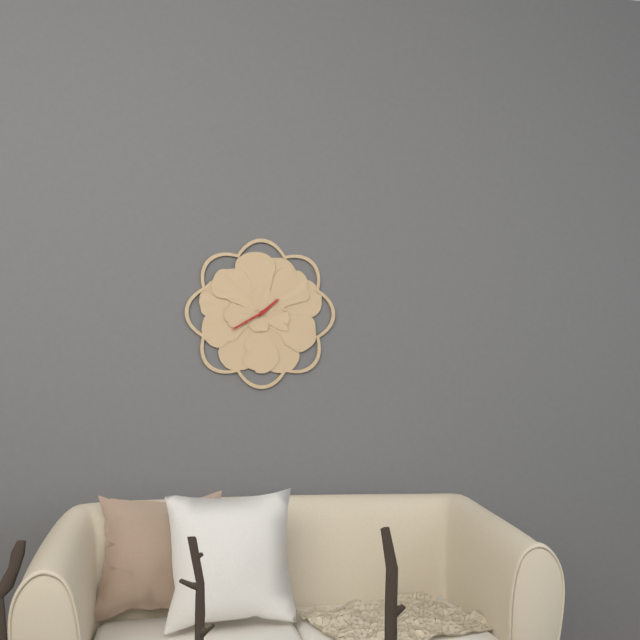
{"hour": 1, "minute": 40}
